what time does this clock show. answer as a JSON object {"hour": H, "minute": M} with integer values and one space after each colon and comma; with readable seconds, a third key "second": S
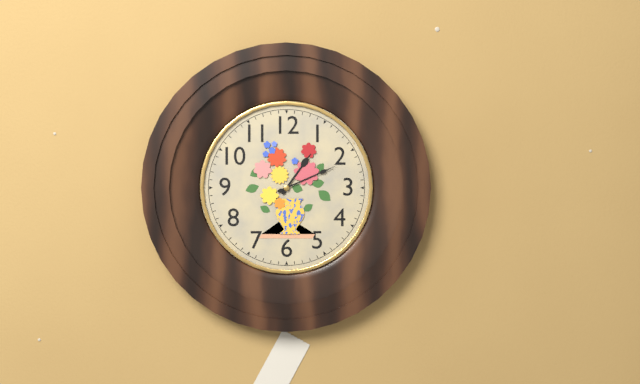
{"hour": 1, "minute": 11}
